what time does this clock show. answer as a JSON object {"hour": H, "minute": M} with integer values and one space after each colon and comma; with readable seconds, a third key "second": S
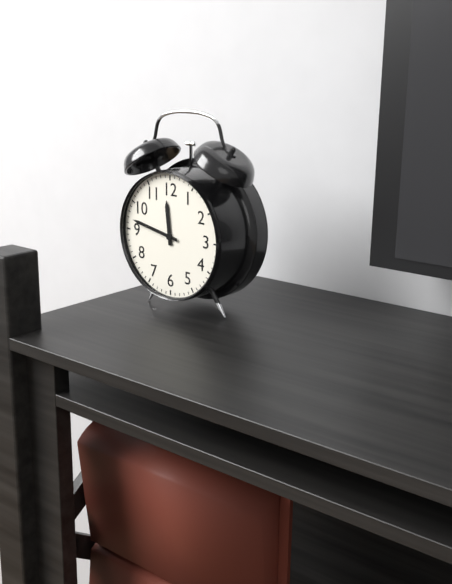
{"hour": 11, "minute": 47}
